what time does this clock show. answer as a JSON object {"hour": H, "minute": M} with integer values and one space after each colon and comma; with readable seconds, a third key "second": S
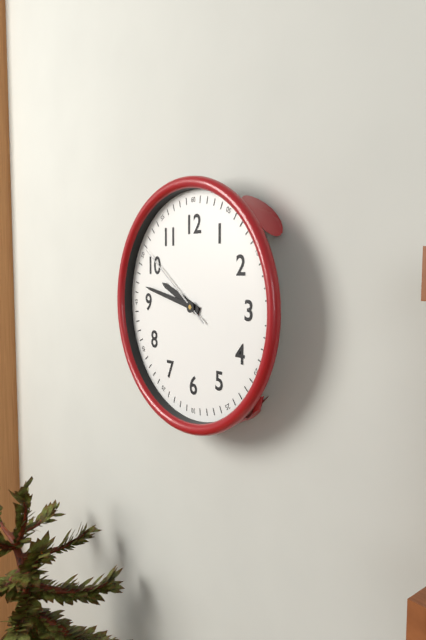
{"hour": 9, "minute": 47, "second": 51}
